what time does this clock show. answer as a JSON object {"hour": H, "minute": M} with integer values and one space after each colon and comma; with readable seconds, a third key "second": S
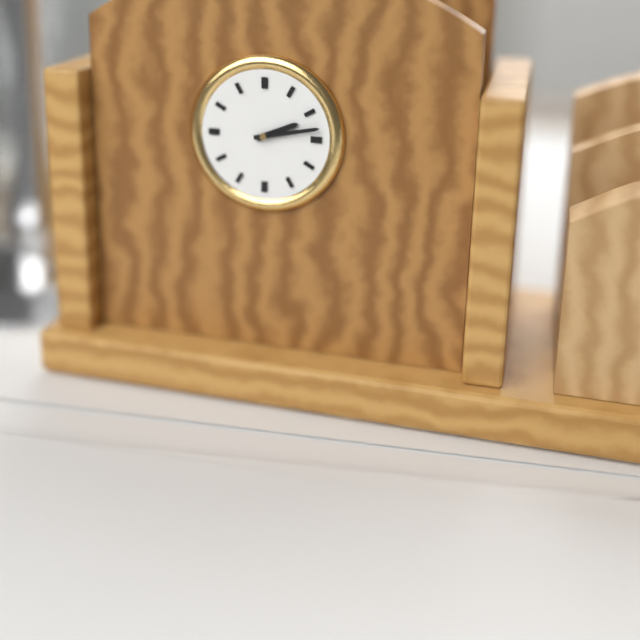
{"hour": 2, "minute": 13}
